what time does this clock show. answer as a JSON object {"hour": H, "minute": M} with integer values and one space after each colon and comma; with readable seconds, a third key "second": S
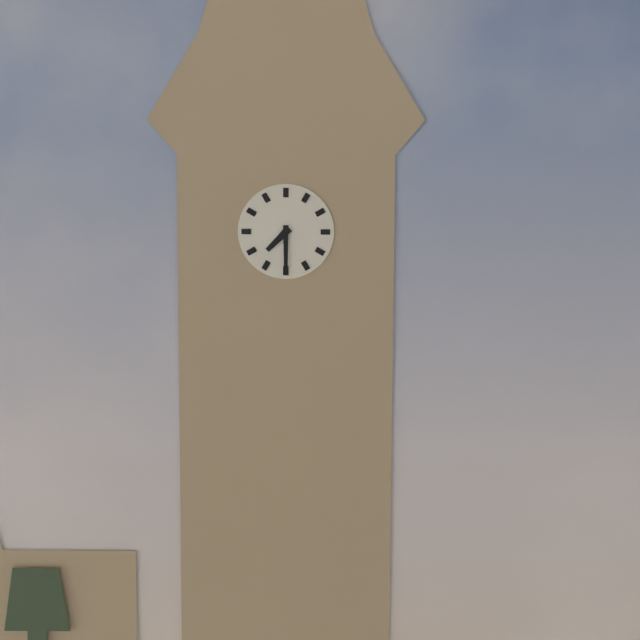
{"hour": 7, "minute": 30}
